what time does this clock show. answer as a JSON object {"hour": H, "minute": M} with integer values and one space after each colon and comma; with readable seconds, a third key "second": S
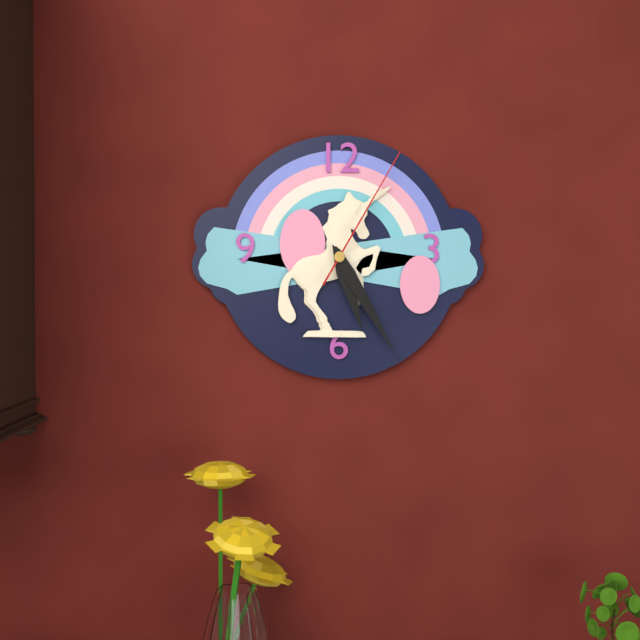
{"hour": 5, "minute": 25, "second": 5}
